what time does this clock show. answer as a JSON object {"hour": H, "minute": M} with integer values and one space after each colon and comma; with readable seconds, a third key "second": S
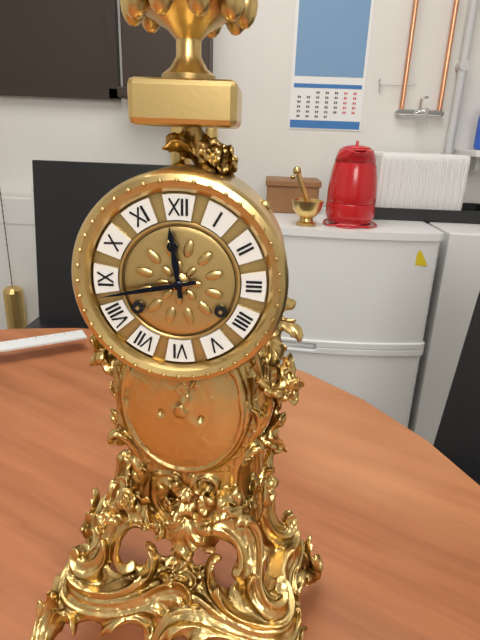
{"hour": 11, "minute": 43}
